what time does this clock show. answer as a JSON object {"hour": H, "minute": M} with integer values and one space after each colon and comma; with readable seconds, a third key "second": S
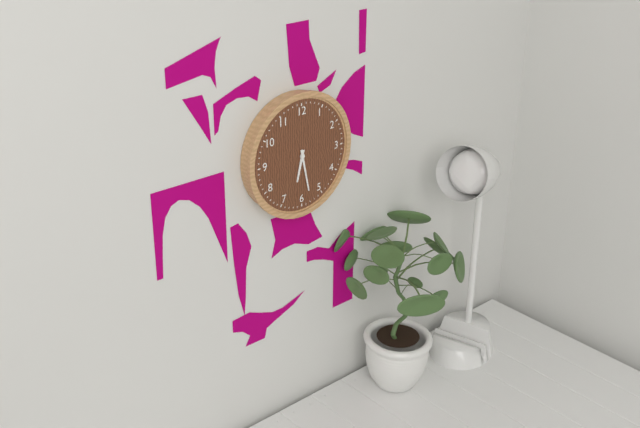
{"hour": 6, "minute": 28}
